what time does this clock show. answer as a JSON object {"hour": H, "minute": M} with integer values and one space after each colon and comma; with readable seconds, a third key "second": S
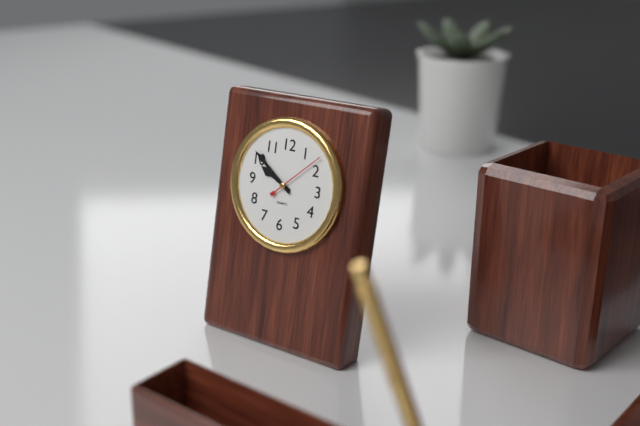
{"hour": 9, "minute": 51, "second": 8}
